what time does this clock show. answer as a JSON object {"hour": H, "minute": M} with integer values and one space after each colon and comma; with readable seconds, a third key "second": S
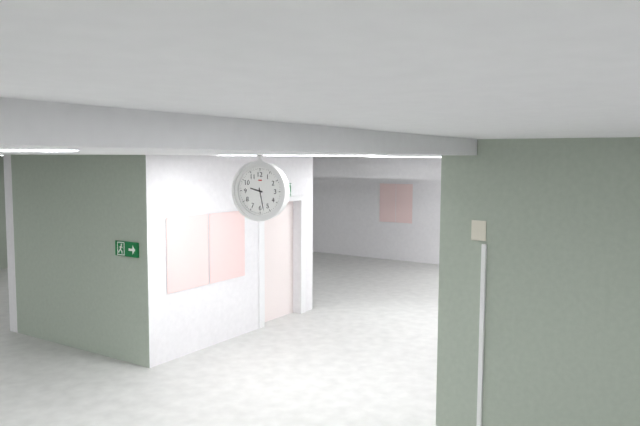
{"hour": 9, "minute": 28}
